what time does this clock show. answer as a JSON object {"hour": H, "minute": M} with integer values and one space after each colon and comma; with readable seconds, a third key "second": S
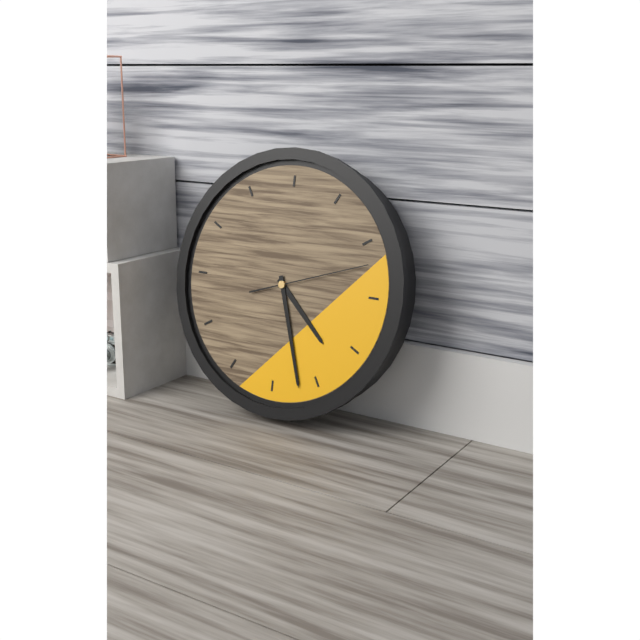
{"hour": 4, "minute": 27, "second": 12}
